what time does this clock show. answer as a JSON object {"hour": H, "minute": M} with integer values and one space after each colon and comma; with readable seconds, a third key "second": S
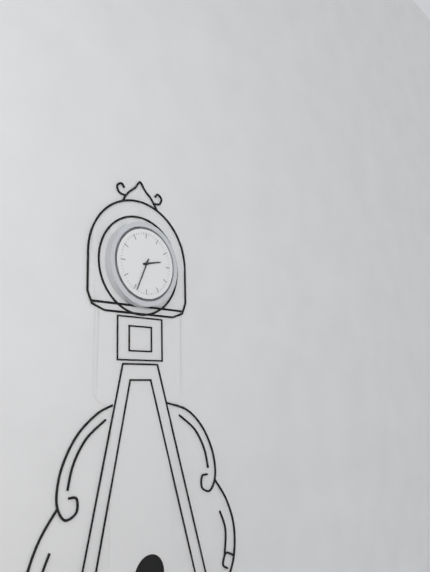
{"hour": 2, "minute": 34}
